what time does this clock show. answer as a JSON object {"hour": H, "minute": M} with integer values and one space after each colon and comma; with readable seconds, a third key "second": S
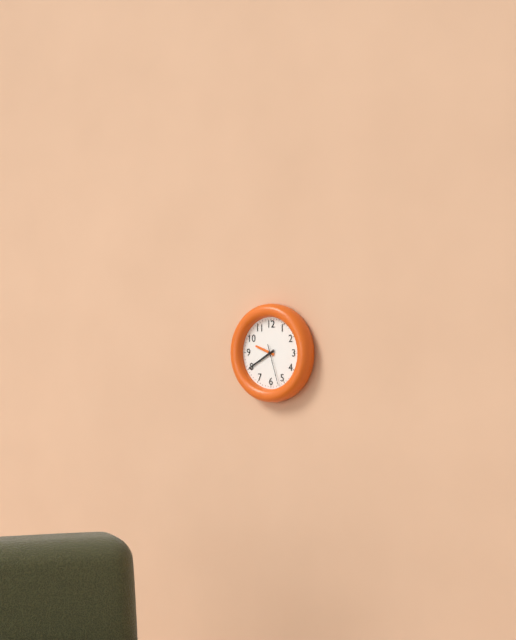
{"hour": 9, "minute": 40}
